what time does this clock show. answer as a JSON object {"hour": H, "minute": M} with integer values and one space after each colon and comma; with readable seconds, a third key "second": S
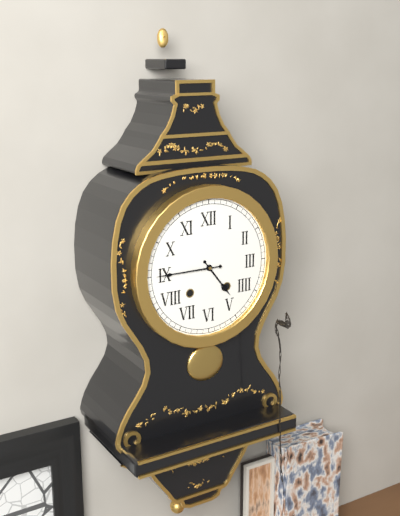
{"hour": 4, "minute": 45}
